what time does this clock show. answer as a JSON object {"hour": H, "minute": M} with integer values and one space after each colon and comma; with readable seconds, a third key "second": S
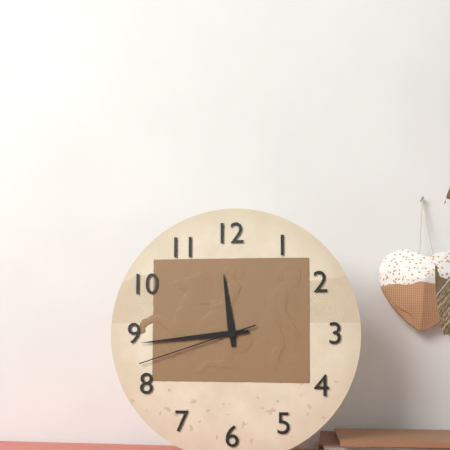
{"hour": 11, "minute": 44, "second": 42}
